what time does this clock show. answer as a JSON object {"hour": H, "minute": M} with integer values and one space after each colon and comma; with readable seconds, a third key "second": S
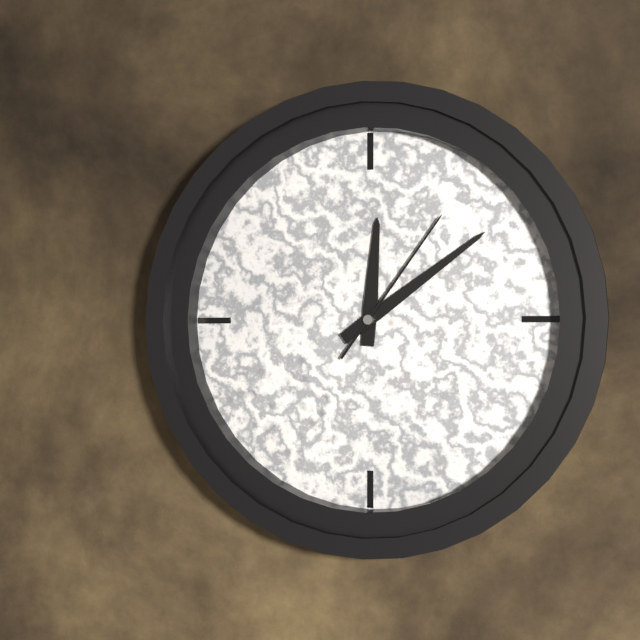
{"hour": 12, "minute": 9, "second": 6}
